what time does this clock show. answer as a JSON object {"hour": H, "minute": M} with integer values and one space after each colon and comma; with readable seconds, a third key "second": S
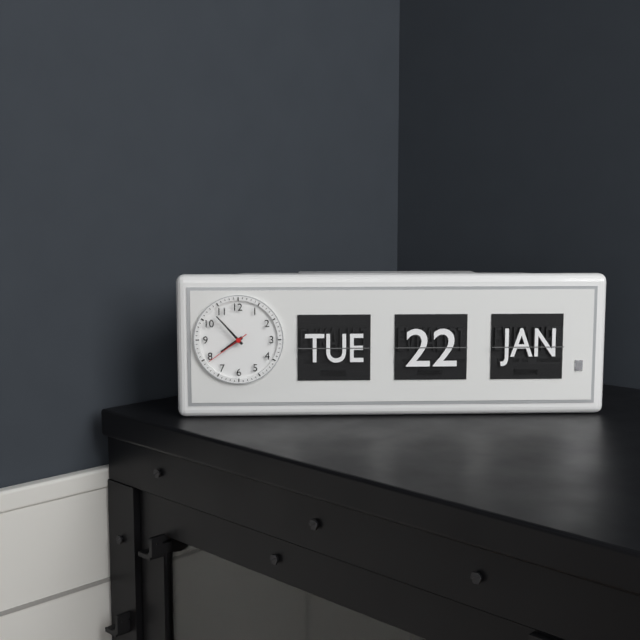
{"hour": 7, "minute": 53}
